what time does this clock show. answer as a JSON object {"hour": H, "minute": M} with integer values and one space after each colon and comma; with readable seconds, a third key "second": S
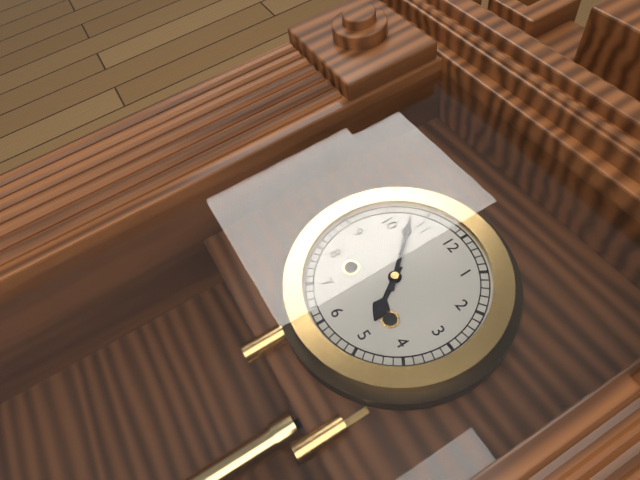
{"hour": 4, "minute": 53}
